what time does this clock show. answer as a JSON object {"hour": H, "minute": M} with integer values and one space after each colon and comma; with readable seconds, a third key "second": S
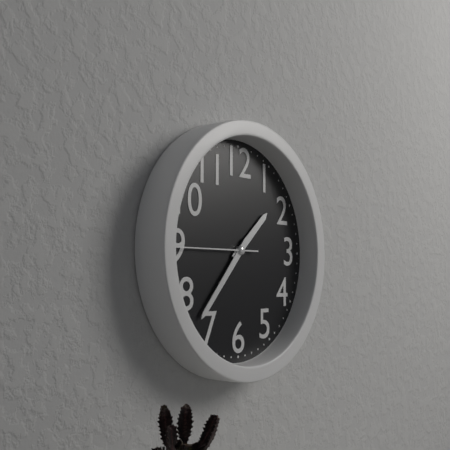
{"hour": 1, "minute": 37, "second": 45}
